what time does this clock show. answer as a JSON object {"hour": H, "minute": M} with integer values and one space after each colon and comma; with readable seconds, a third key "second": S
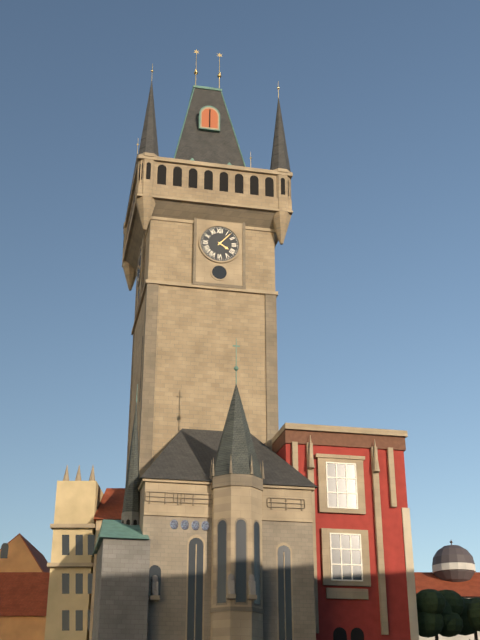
{"hour": 4, "minute": 7}
